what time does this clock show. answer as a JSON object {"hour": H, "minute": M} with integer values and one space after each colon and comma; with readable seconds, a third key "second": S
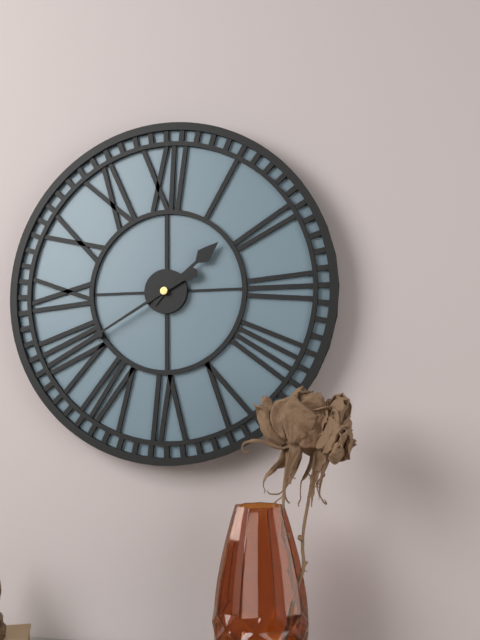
{"hour": 1, "minute": 40}
